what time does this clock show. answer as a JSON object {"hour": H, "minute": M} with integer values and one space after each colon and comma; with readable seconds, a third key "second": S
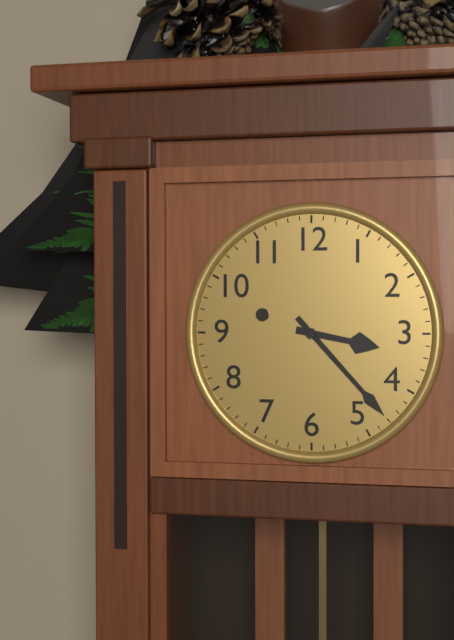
{"hour": 3, "minute": 23}
